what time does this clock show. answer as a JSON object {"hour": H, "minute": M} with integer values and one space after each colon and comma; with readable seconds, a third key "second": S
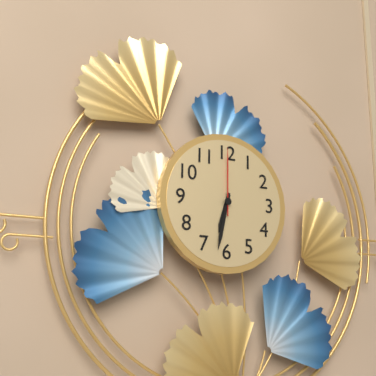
{"hour": 6, "minute": 32, "second": 0}
